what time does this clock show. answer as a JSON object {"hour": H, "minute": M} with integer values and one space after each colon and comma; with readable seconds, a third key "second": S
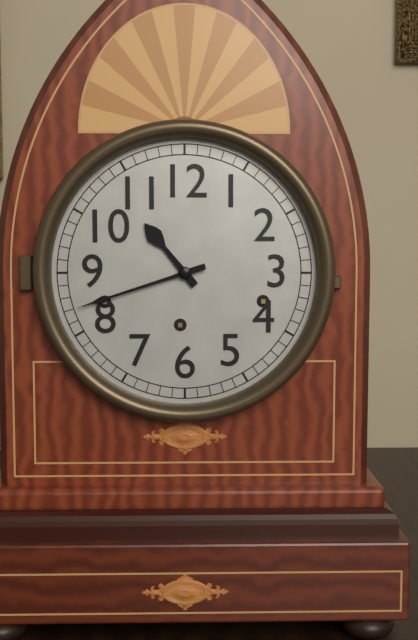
{"hour": 10, "minute": 42}
